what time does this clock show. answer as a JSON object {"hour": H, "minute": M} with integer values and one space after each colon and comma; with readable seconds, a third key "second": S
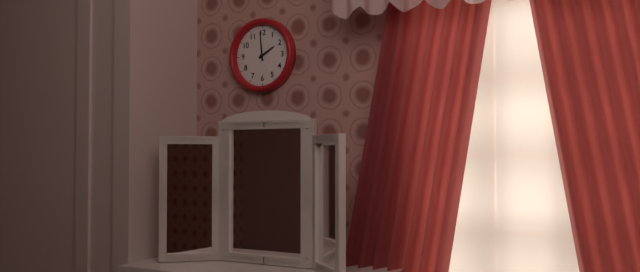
{"hour": 1, "minute": 59}
